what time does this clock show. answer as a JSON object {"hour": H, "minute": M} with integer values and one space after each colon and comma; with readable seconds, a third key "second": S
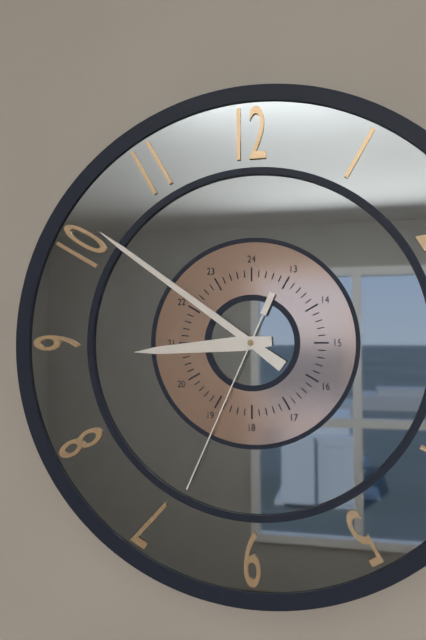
{"hour": 8, "minute": 51, "second": 34}
